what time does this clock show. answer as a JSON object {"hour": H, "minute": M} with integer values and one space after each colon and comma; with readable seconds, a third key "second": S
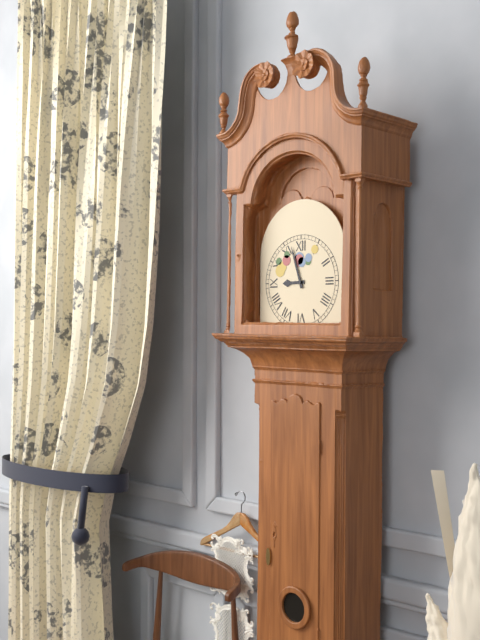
{"hour": 8, "minute": 57}
